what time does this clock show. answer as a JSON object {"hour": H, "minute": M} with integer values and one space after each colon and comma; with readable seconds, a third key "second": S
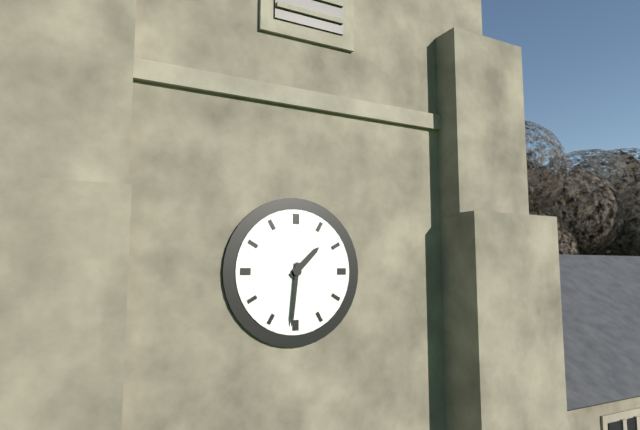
{"hour": 1, "minute": 31}
